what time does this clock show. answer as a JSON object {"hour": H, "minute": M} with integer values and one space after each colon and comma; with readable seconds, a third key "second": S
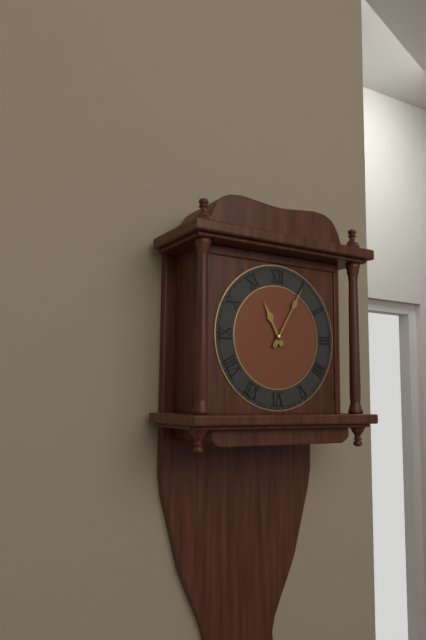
{"hour": 11, "minute": 5}
